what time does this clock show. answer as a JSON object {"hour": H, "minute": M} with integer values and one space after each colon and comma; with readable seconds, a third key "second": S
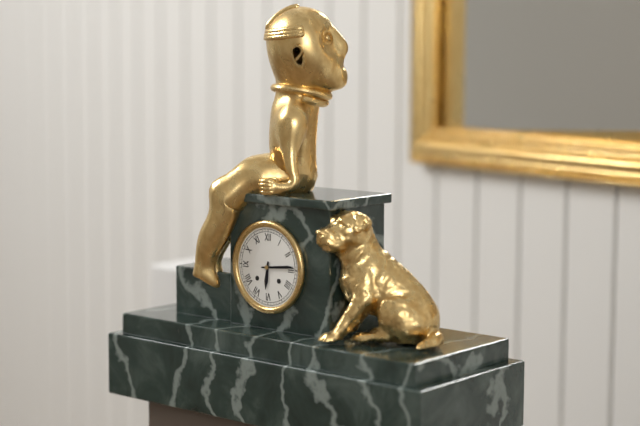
{"hour": 6, "minute": 14}
